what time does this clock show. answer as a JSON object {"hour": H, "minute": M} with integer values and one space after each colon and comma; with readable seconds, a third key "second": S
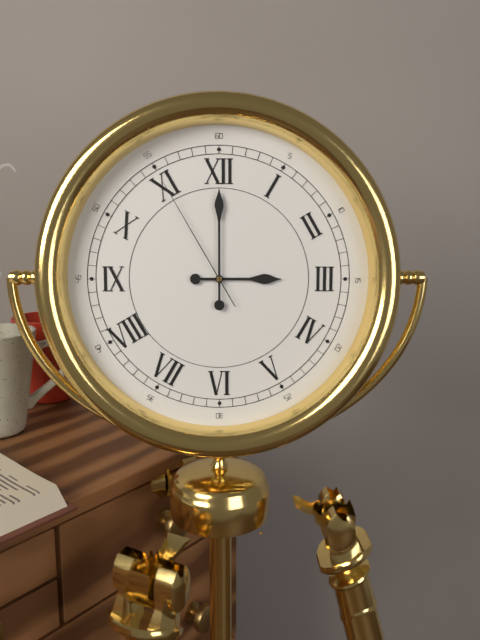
{"hour": 3, "minute": 0, "second": 55}
